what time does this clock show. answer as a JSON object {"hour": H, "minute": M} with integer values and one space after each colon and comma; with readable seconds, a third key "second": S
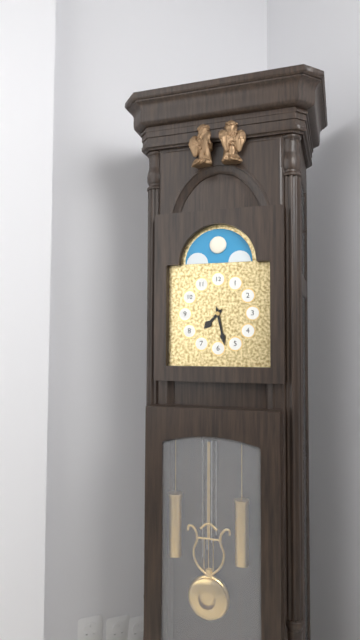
{"hour": 7, "minute": 28}
